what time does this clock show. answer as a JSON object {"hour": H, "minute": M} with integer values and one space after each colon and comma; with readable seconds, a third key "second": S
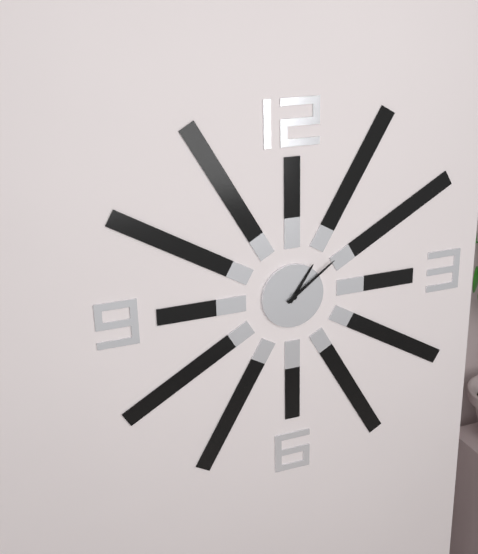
{"hour": 1, "minute": 9}
